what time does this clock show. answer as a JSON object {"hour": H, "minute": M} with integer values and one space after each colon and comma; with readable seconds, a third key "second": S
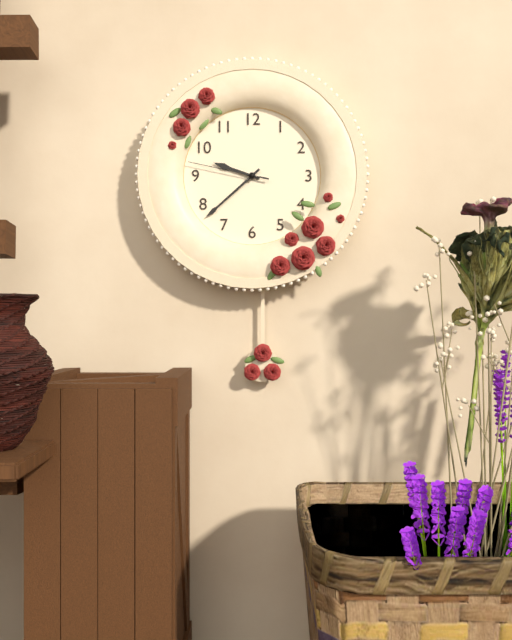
{"hour": 9, "minute": 38, "second": 47}
